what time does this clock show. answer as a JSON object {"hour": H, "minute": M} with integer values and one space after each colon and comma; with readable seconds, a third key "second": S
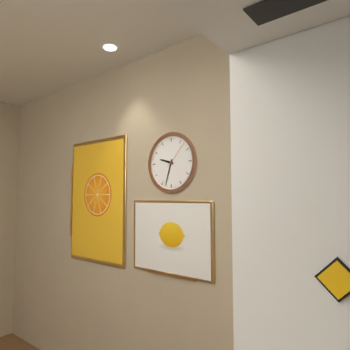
{"hour": 9, "minute": 33}
